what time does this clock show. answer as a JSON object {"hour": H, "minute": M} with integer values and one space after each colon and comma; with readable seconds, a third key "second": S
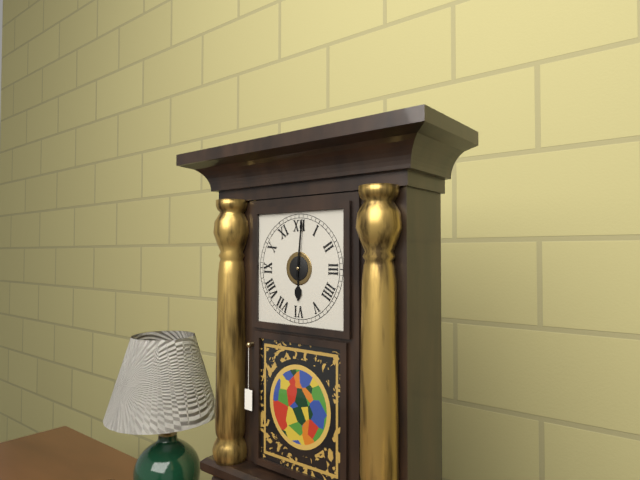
{"hour": 6, "minute": 1}
